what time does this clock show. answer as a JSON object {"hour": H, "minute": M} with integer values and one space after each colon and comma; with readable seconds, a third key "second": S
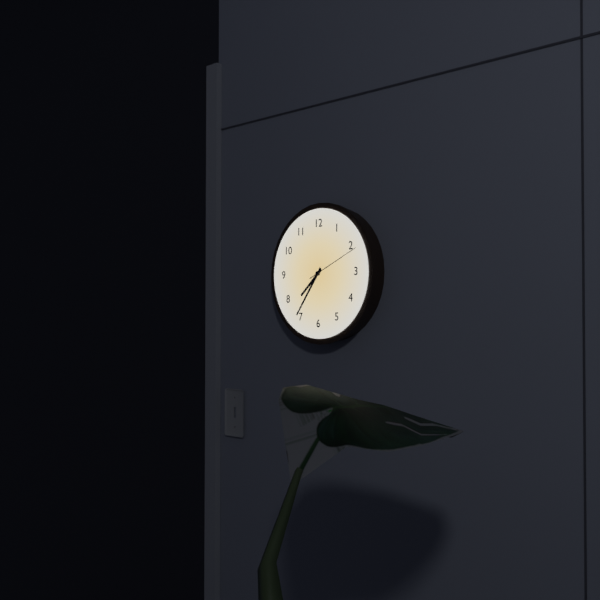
{"hour": 7, "minute": 36, "second": 11}
